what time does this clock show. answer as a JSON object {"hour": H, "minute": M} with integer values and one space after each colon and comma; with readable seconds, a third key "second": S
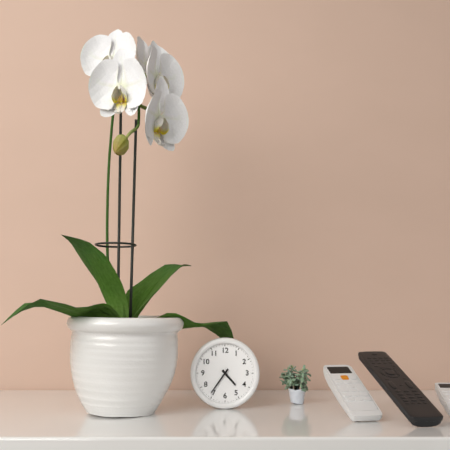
{"hour": 4, "minute": 36}
